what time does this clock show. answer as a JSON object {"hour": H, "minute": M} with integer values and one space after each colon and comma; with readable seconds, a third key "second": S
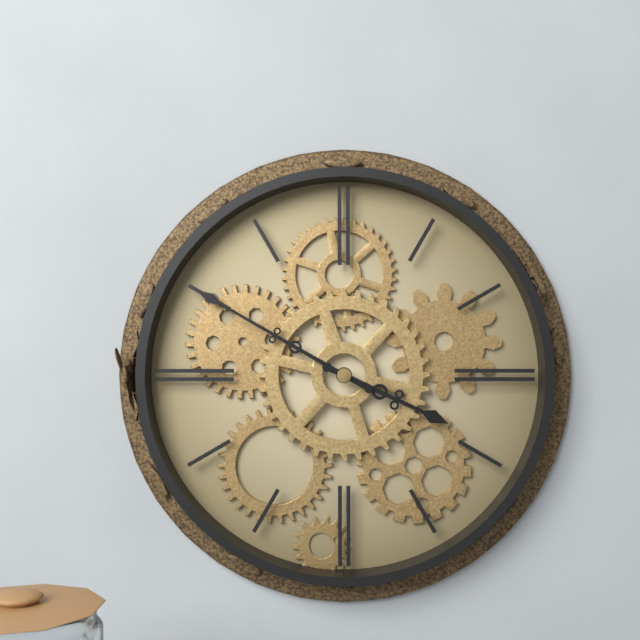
{"hour": 3, "minute": 50}
